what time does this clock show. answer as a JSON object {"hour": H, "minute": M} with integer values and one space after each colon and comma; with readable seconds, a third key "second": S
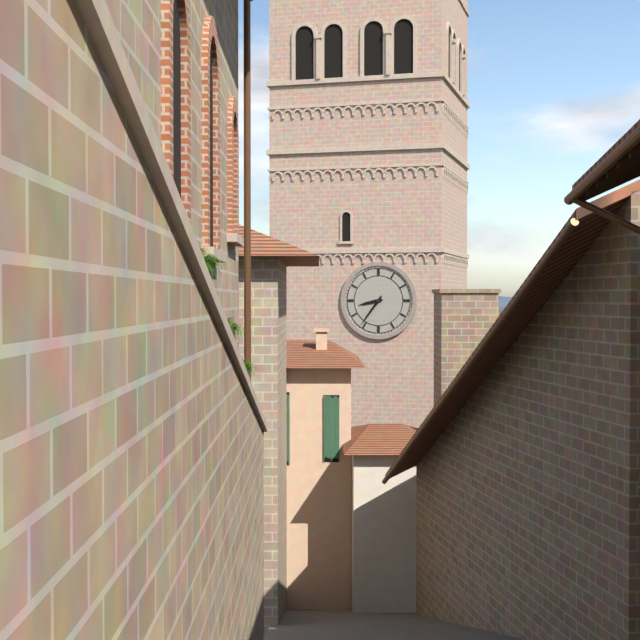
{"hour": 8, "minute": 36}
